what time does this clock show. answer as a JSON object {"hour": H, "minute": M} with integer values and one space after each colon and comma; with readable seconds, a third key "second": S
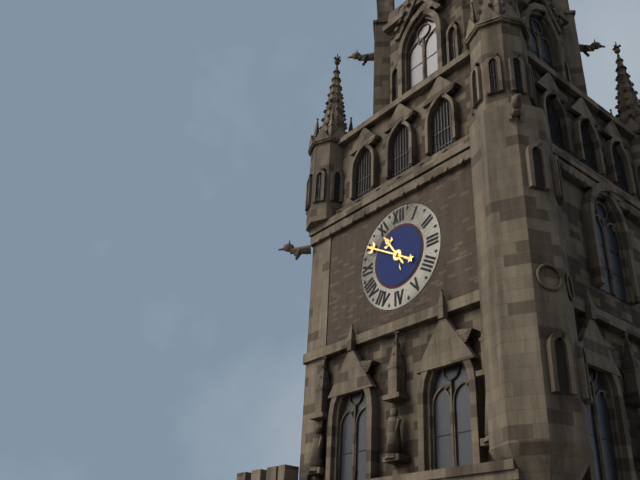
{"hour": 10, "minute": 50}
